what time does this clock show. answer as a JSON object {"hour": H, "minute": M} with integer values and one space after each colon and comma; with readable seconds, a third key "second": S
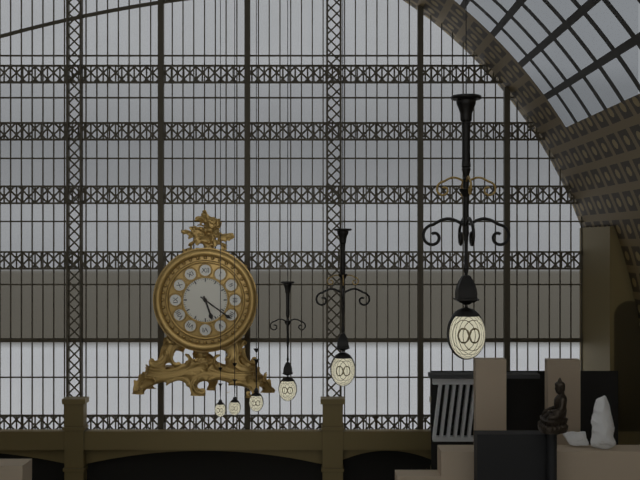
{"hour": 5, "minute": 21}
